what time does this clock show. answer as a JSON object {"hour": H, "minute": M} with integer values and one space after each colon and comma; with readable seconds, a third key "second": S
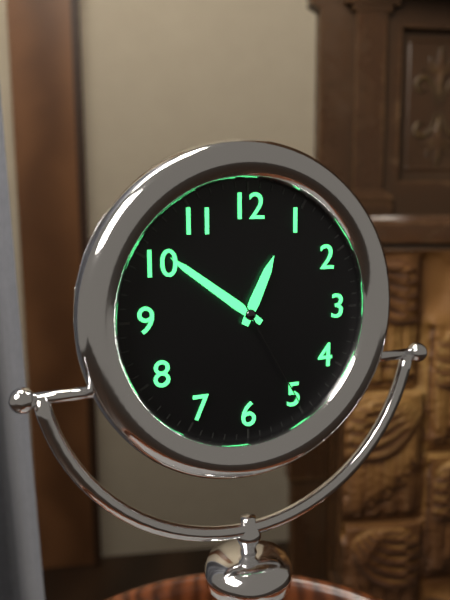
{"hour": 12, "minute": 51, "second": 25}
